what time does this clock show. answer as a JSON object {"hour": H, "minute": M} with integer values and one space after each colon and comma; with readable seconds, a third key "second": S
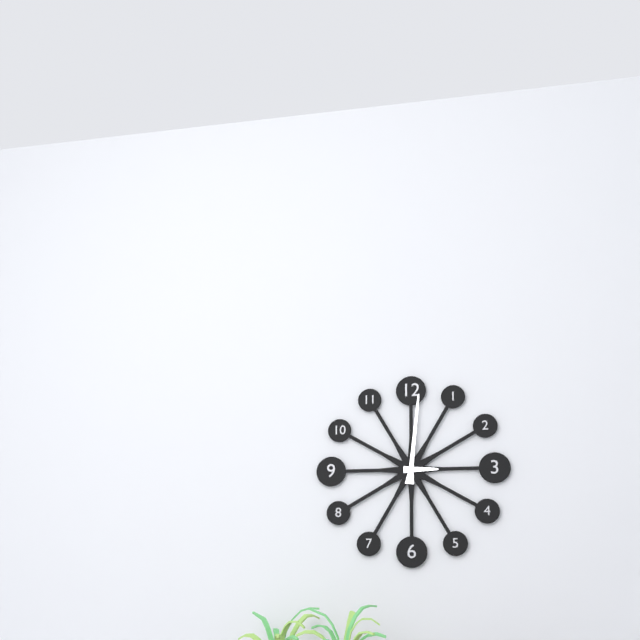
{"hour": 3, "minute": 1}
